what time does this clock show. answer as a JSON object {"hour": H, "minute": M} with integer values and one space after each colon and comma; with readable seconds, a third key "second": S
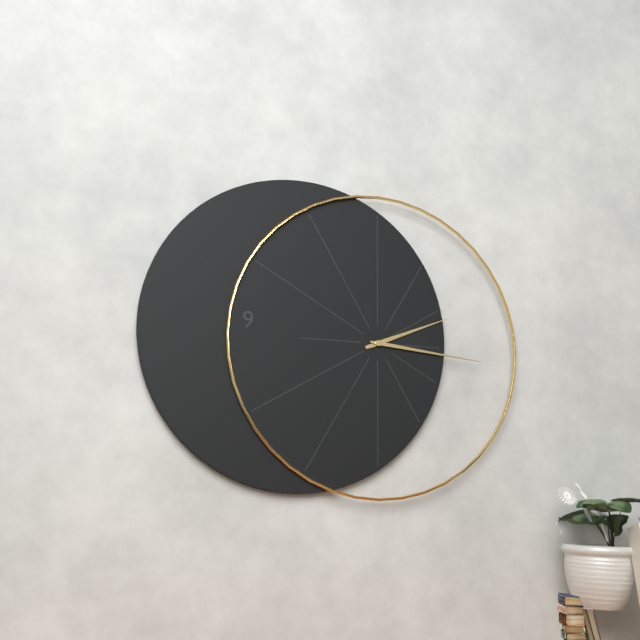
{"hour": 2, "minute": 16}
